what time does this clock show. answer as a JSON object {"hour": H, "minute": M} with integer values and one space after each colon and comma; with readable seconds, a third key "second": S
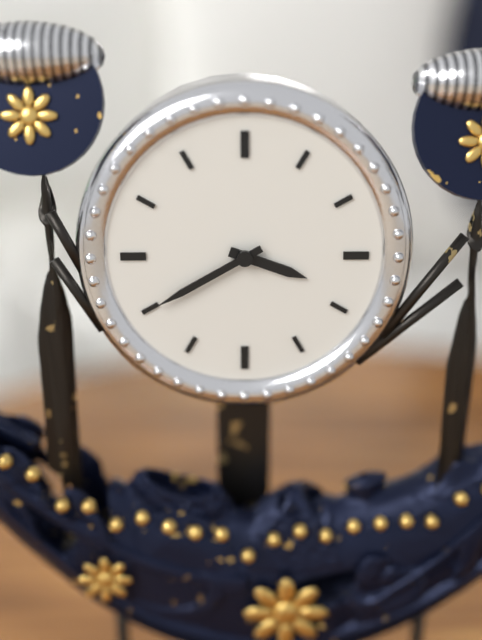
{"hour": 3, "minute": 40}
